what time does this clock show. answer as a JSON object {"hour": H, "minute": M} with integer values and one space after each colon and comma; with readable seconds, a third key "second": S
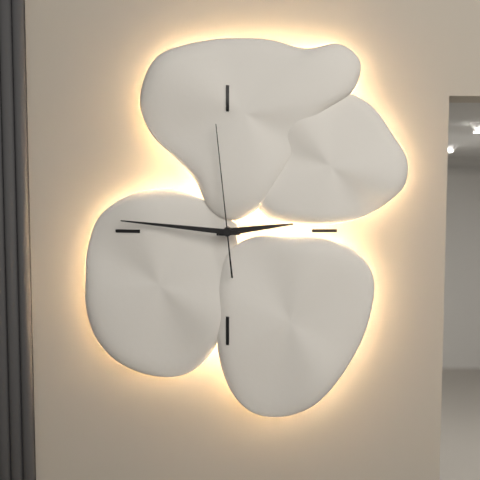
{"hour": 2, "minute": 46, "second": 59}
